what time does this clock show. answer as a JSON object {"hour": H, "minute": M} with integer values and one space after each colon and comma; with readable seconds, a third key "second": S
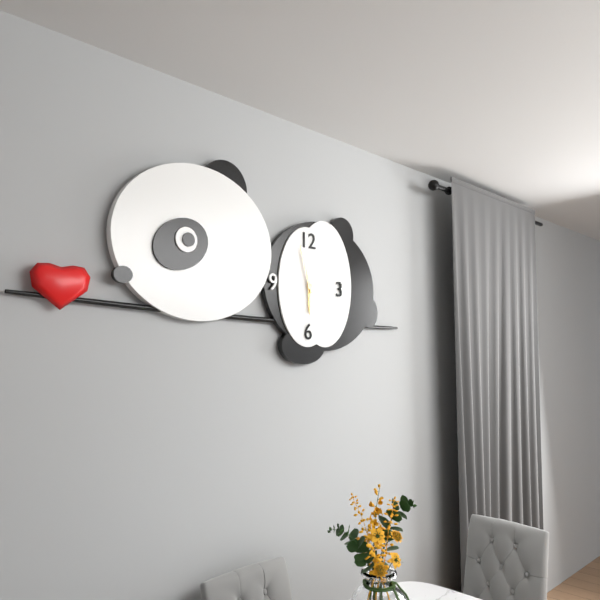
{"hour": 5, "minute": 57}
